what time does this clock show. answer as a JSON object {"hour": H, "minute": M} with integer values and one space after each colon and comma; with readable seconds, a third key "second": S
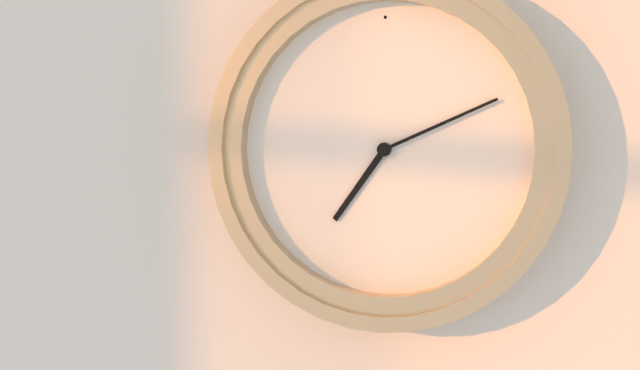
{"hour": 7, "minute": 11}
